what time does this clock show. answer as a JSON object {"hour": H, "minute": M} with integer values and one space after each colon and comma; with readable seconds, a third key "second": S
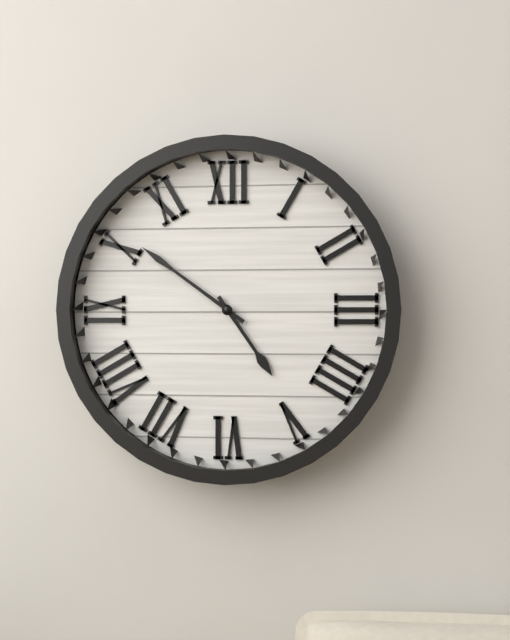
{"hour": 4, "minute": 51}
